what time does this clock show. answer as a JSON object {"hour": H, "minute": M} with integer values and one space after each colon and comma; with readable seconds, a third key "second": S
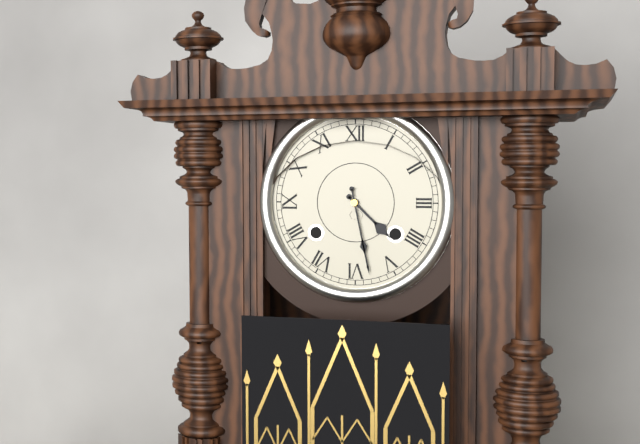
{"hour": 4, "minute": 28}
